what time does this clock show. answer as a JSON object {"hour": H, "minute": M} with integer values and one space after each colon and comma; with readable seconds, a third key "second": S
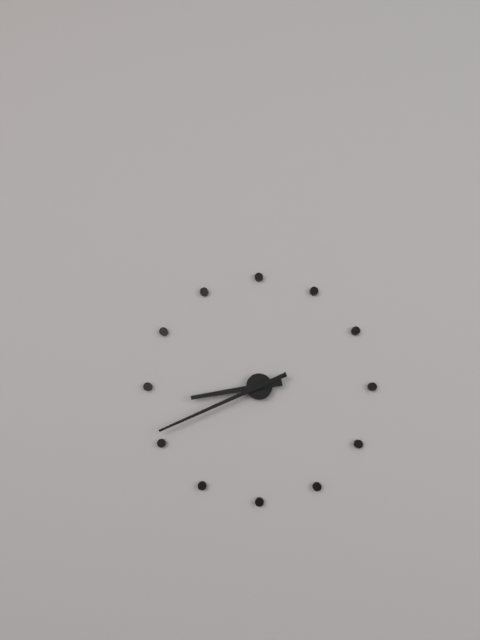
{"hour": 8, "minute": 41}
